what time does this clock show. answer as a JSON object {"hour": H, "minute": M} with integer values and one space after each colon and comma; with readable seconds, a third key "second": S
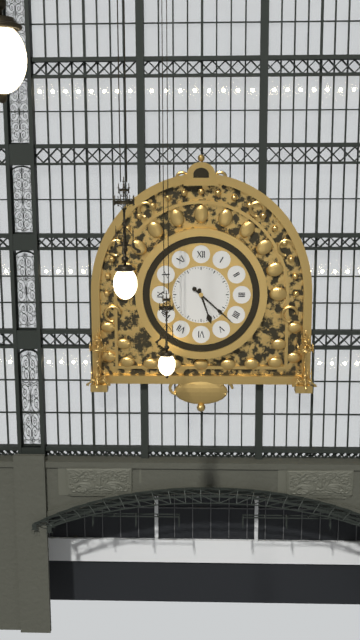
{"hour": 5, "minute": 22}
